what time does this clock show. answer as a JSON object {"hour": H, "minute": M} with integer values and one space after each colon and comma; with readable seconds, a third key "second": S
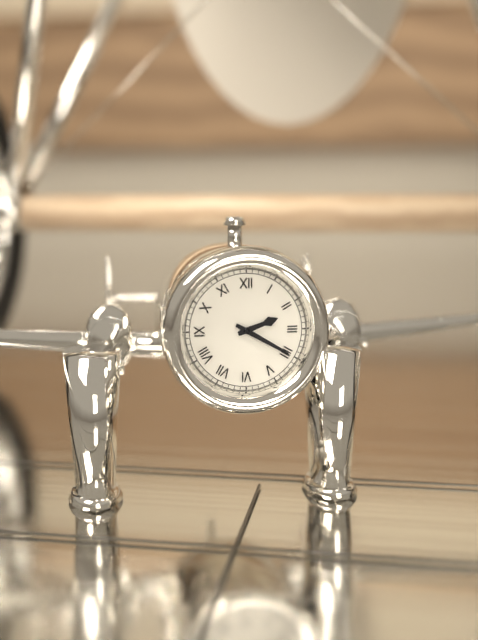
{"hour": 2, "minute": 20}
